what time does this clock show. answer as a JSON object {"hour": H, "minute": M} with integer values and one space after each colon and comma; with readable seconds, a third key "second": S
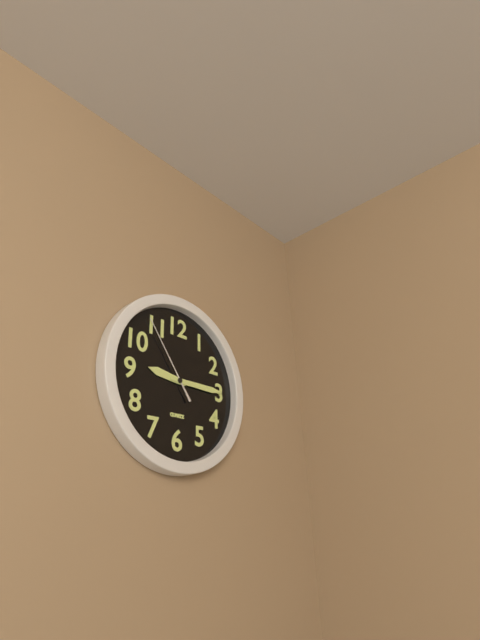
{"hour": 9, "minute": 15, "second": 54}
